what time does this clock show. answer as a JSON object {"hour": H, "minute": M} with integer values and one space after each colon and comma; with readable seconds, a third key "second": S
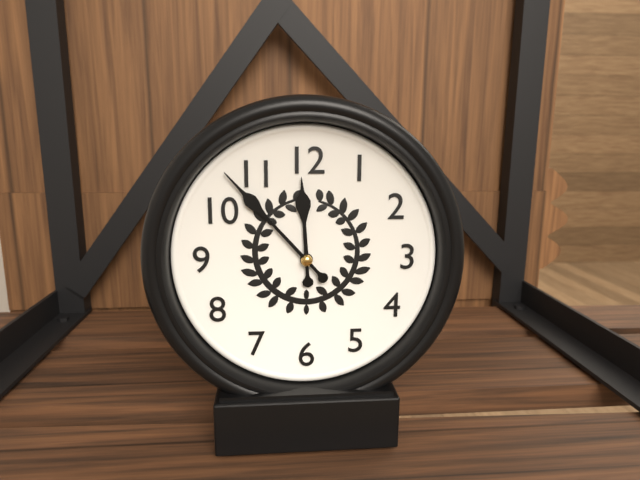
{"hour": 11, "minute": 53}
